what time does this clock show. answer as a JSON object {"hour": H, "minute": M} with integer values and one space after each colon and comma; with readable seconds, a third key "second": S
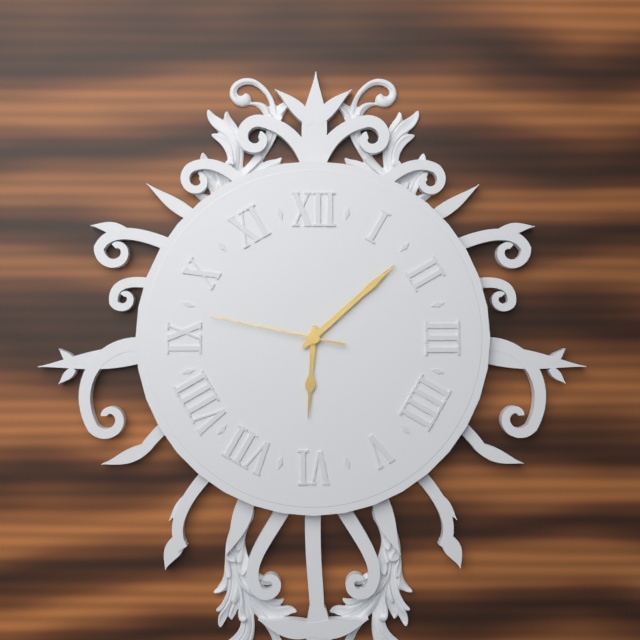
{"hour": 6, "minute": 8, "second": 47}
